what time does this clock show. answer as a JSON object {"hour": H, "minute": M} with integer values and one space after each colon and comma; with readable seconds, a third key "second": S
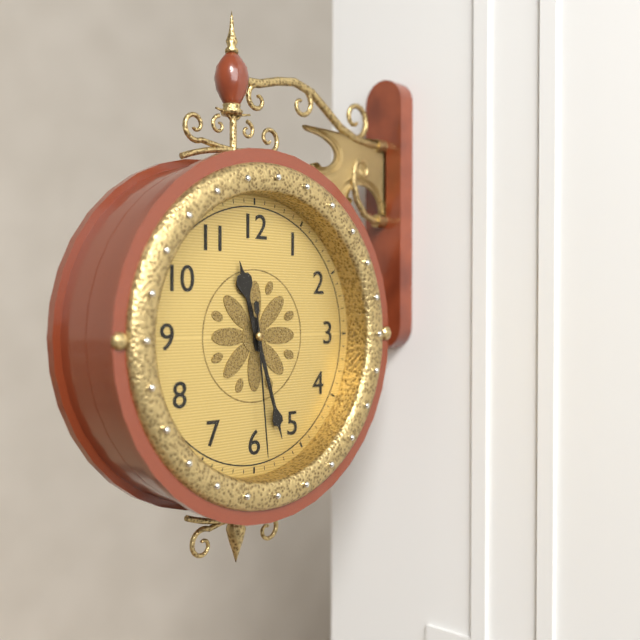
{"hour": 11, "minute": 27, "second": 29}
